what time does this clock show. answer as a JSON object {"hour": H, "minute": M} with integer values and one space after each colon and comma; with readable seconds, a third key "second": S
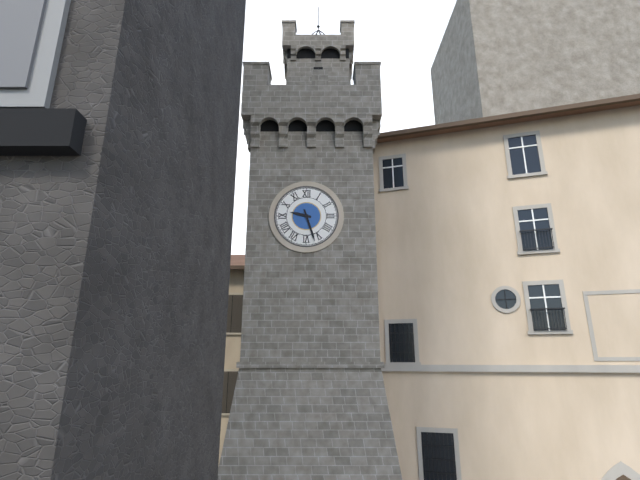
{"hour": 9, "minute": 27}
